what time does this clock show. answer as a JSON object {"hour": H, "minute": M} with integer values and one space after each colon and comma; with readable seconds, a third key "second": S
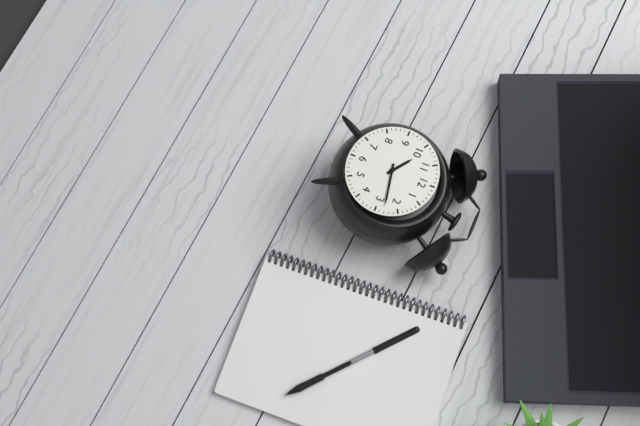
{"hour": 10, "minute": 13}
